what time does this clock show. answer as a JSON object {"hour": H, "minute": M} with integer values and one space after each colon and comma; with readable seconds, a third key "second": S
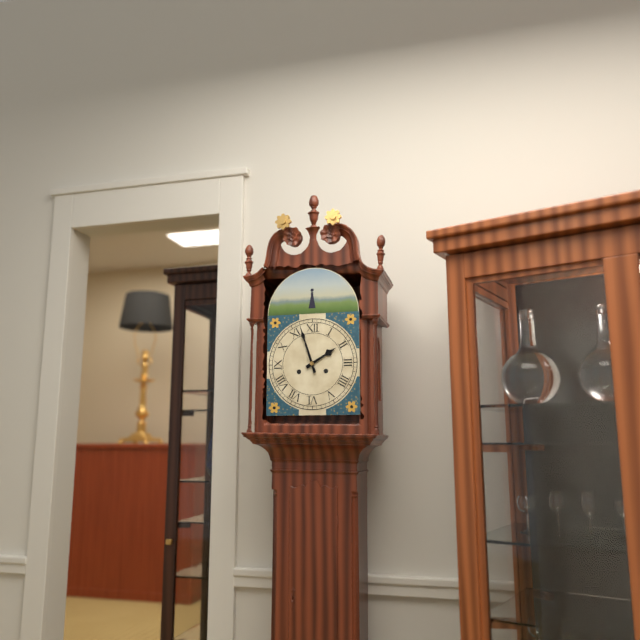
{"hour": 1, "minute": 57}
